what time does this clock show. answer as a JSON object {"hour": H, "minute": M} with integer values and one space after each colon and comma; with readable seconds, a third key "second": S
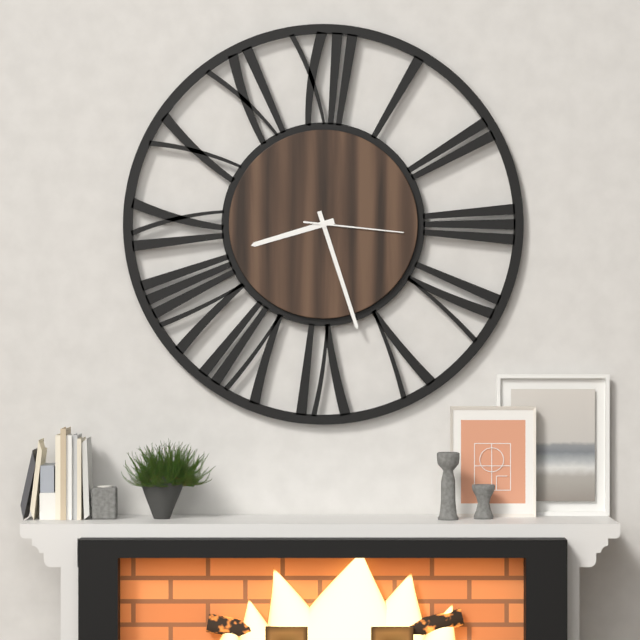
{"hour": 8, "minute": 27, "second": 16}
